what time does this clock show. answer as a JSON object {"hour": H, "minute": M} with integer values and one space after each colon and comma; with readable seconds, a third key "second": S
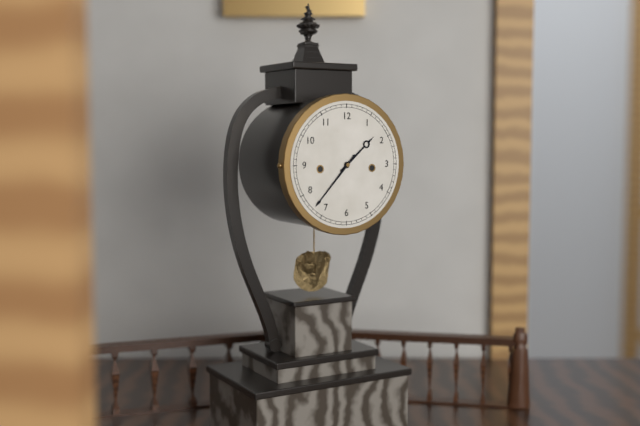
{"hour": 1, "minute": 37}
